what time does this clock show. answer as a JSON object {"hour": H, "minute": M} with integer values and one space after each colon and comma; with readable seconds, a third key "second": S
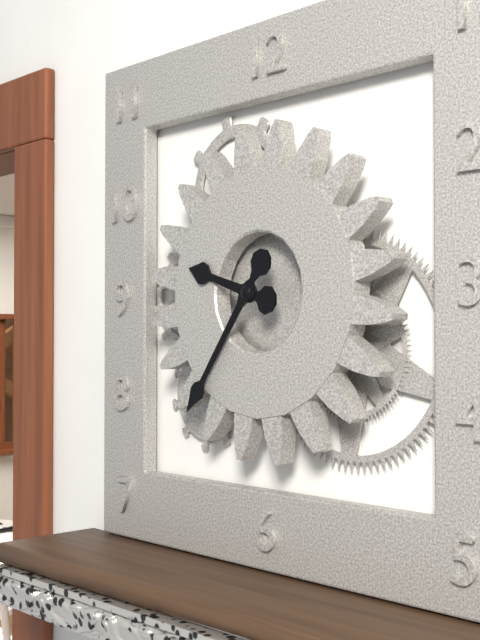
{"hour": 9, "minute": 36}
